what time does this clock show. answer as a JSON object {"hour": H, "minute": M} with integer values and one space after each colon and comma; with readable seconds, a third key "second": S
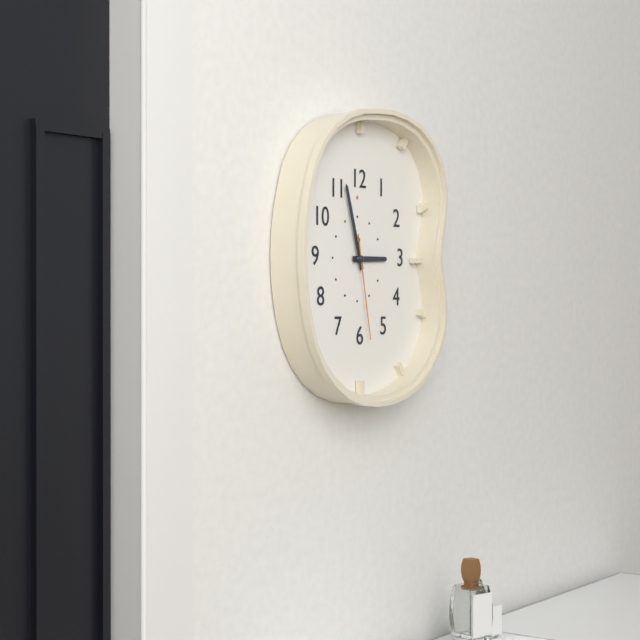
{"hour": 2, "minute": 57, "second": 28}
